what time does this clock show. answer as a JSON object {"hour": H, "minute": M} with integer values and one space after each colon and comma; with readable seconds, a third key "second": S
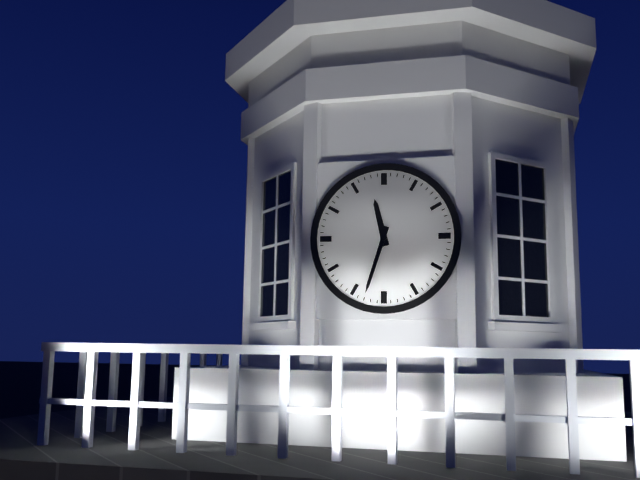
{"hour": 11, "minute": 33}
